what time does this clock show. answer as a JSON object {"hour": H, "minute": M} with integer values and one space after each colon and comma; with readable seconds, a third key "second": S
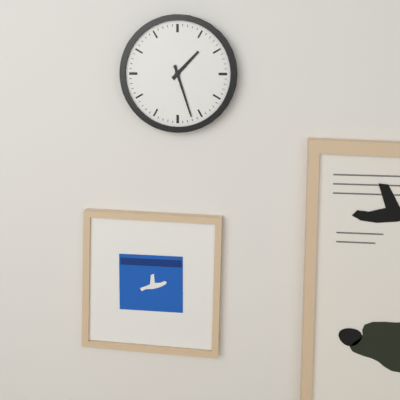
{"hour": 1, "minute": 27}
